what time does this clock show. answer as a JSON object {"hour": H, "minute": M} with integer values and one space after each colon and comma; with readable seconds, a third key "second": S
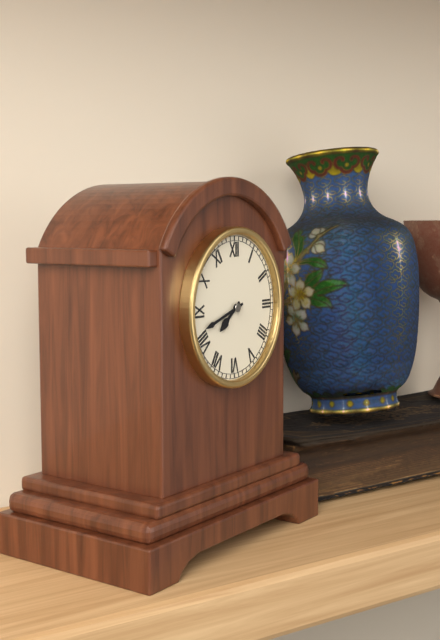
{"hour": 7, "minute": 42}
